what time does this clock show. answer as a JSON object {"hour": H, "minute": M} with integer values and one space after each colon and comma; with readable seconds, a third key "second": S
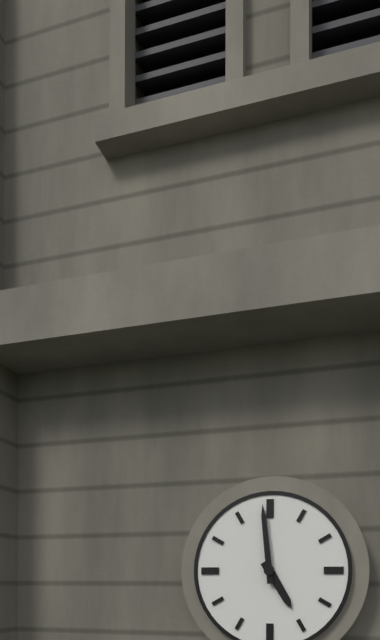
{"hour": 4, "minute": 59}
